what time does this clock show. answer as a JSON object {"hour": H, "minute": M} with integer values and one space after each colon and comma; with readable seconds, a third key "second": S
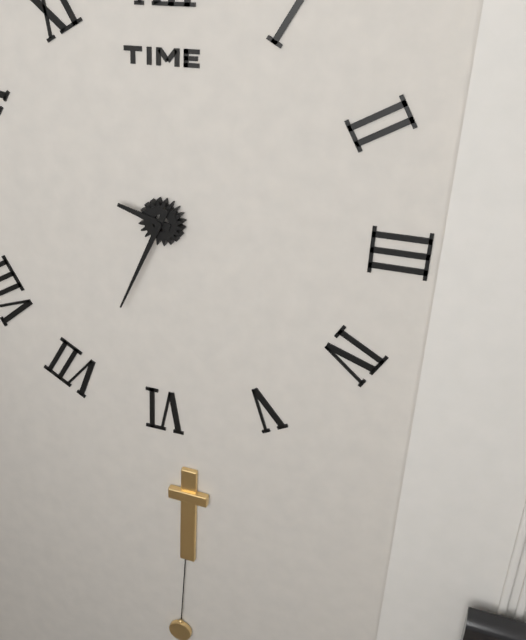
{"hour": 9, "minute": 34}
